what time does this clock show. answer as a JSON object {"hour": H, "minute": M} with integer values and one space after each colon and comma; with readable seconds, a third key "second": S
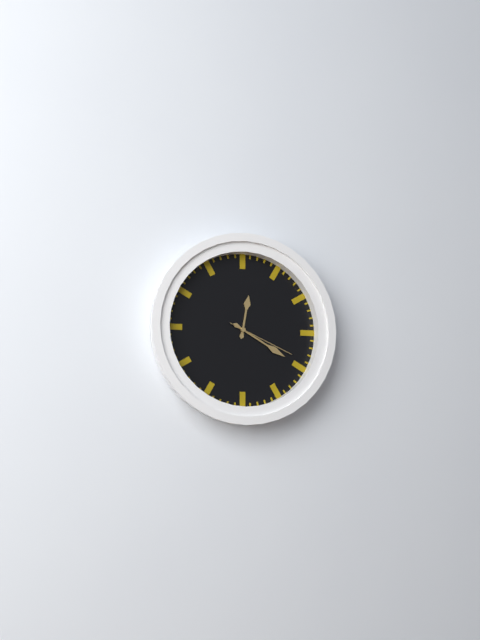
{"hour": 12, "minute": 20, "second": 19}
